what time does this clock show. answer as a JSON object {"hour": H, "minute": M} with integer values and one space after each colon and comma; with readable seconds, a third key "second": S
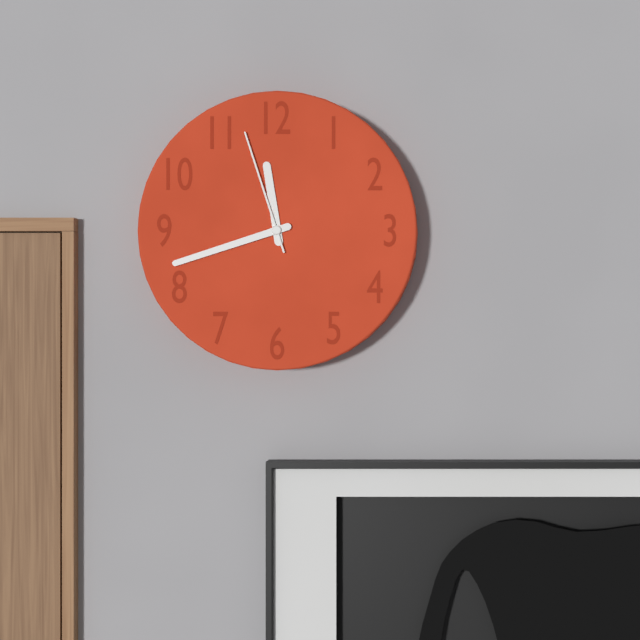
{"hour": 11, "minute": 42, "second": 57}
